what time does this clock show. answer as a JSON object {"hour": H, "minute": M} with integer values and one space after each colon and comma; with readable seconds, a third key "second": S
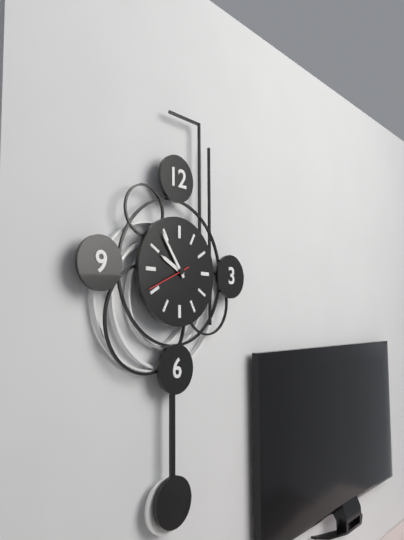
{"hour": 9, "minute": 54}
